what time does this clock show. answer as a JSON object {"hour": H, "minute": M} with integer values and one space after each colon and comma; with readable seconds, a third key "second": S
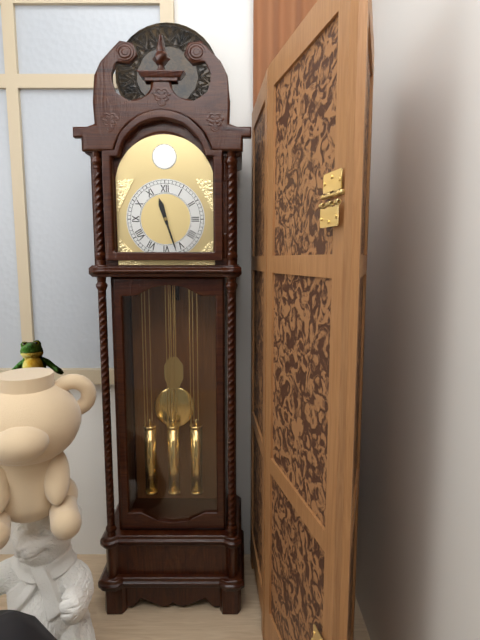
{"hour": 11, "minute": 27}
